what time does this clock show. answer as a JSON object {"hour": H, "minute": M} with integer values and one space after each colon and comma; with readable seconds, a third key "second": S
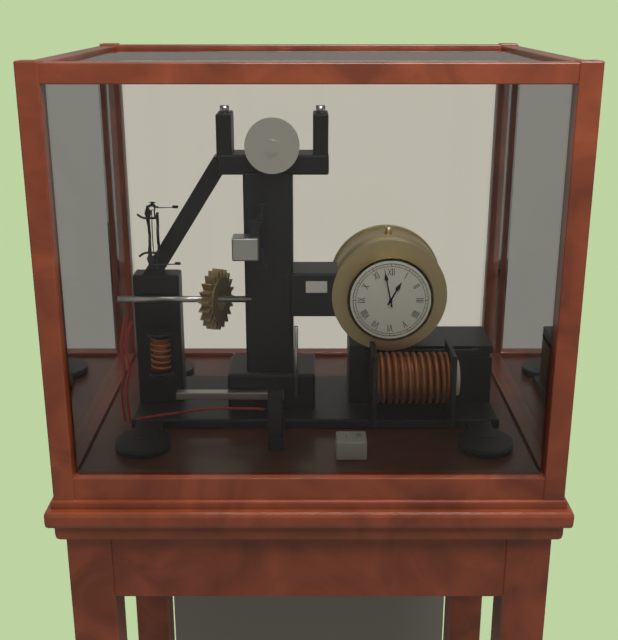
{"hour": 12, "minute": 58}
